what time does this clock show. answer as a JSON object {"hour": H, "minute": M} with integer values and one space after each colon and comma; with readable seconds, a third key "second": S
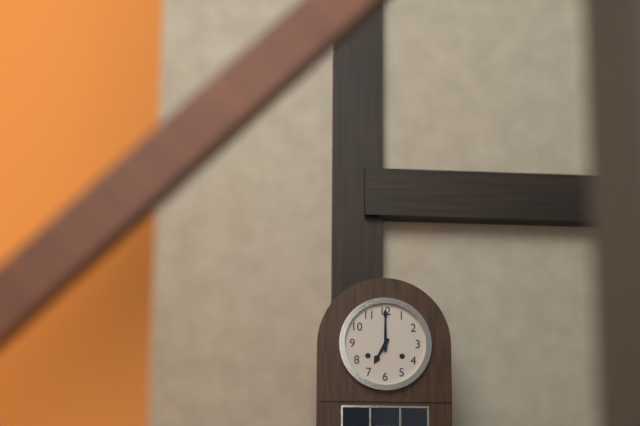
{"hour": 7, "minute": 0}
